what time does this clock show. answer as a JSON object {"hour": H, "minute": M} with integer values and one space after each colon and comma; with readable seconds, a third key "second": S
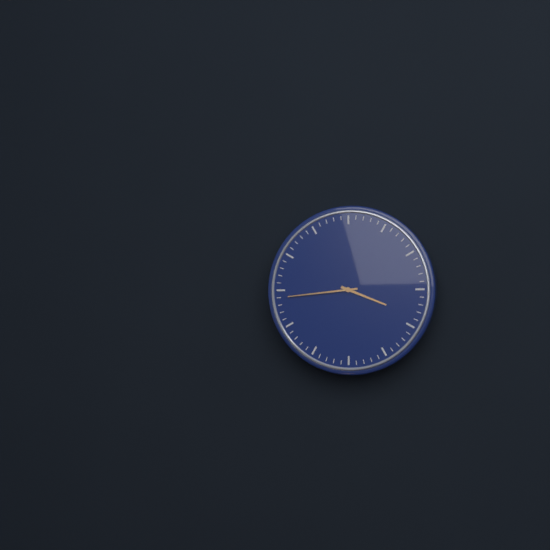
{"hour": 3, "minute": 44}
